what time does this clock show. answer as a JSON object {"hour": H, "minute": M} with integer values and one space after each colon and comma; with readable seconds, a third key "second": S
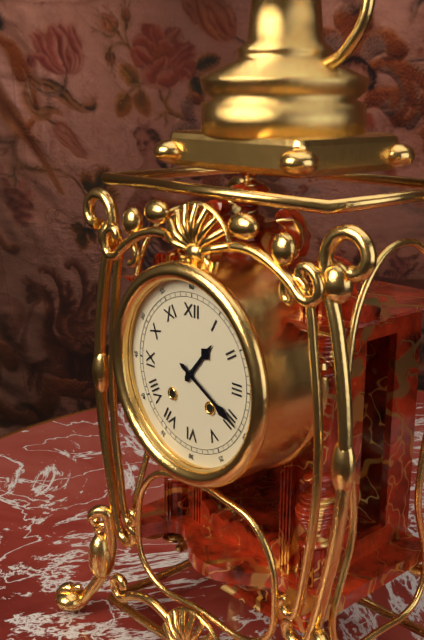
{"hour": 1, "minute": 20}
